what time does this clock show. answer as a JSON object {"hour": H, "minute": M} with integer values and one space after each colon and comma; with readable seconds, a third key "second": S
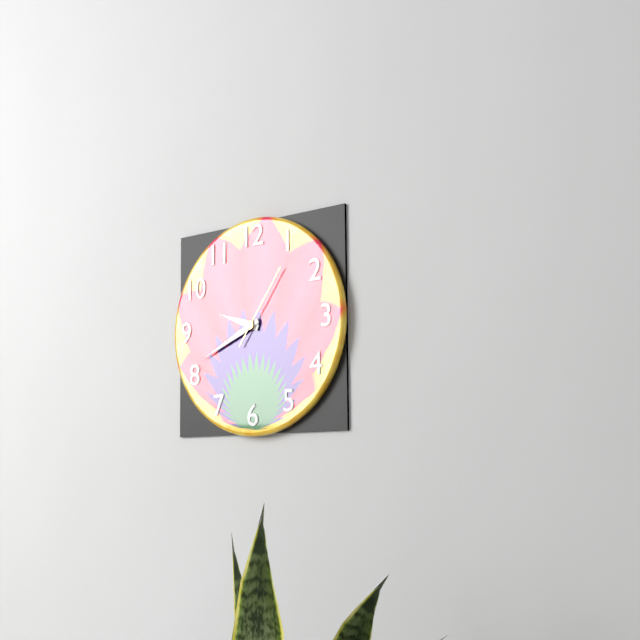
{"hour": 9, "minute": 41, "second": 6}
